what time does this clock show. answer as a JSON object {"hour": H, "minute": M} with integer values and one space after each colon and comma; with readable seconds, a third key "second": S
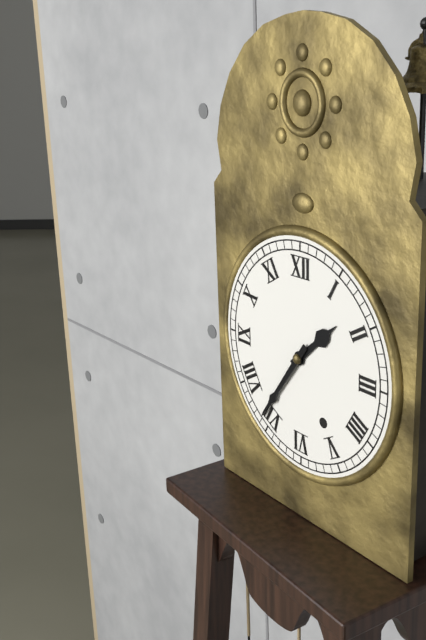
{"hour": 1, "minute": 36}
